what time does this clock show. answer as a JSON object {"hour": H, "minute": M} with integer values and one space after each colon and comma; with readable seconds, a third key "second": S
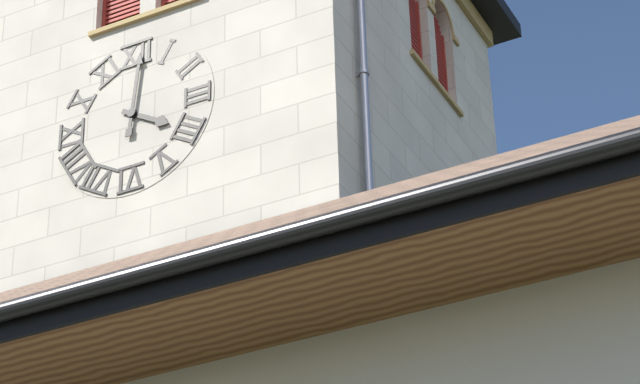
{"hour": 4, "minute": 1}
